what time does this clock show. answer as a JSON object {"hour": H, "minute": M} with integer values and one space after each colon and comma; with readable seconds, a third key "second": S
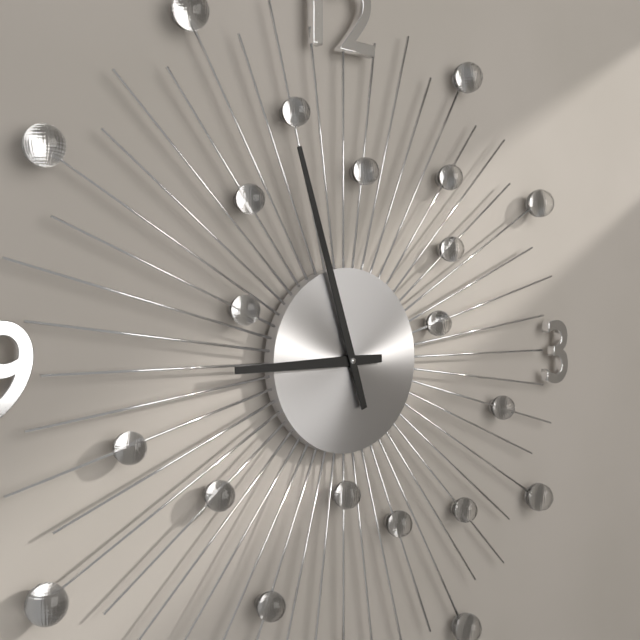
{"hour": 8, "minute": 57}
